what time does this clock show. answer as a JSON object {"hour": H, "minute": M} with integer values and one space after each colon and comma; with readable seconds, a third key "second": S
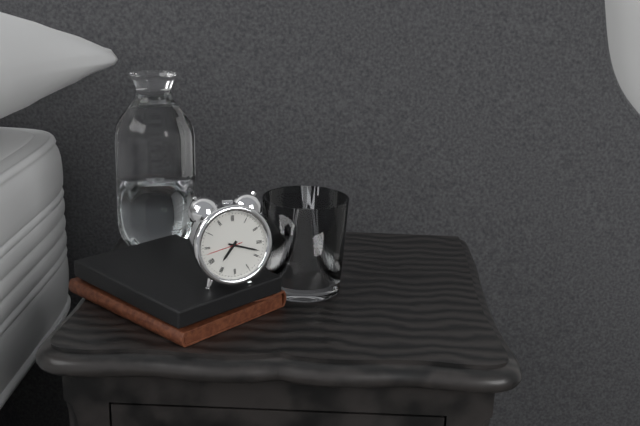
{"hour": 7, "minute": 18}
